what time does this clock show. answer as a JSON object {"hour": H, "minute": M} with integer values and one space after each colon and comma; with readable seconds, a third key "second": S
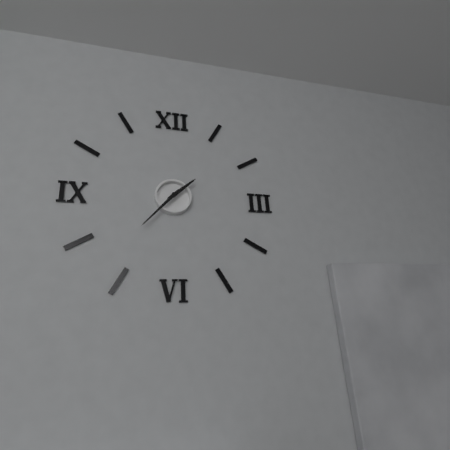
{"hour": 1, "minute": 37}
